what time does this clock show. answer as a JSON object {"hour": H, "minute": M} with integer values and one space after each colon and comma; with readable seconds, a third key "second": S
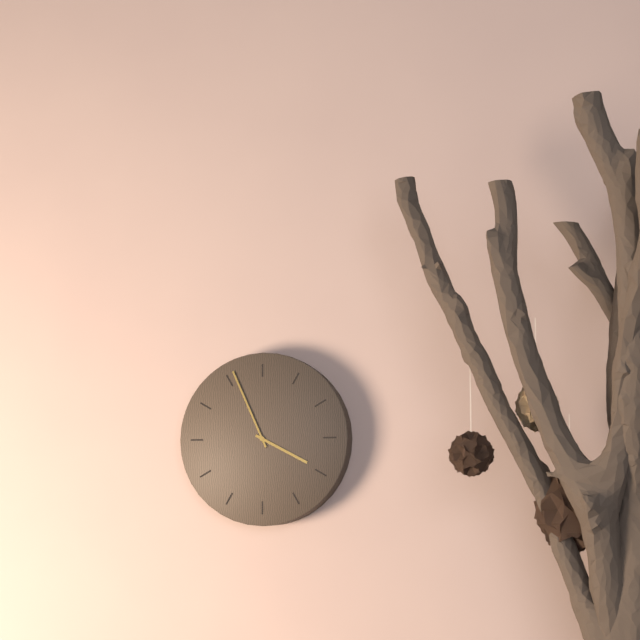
{"hour": 3, "minute": 56}
